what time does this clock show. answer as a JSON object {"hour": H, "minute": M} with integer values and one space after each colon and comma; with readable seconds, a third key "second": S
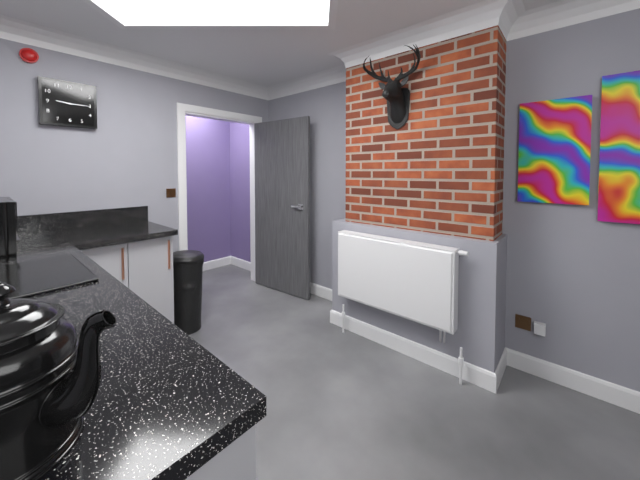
{"hour": 9, "minute": 15}
